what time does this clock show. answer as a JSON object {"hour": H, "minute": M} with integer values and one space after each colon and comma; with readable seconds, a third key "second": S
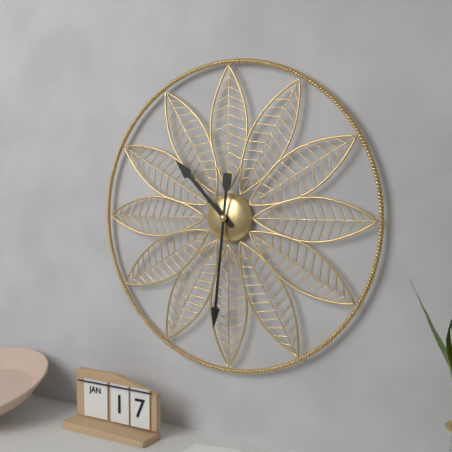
{"hour": 10, "minute": 31}
